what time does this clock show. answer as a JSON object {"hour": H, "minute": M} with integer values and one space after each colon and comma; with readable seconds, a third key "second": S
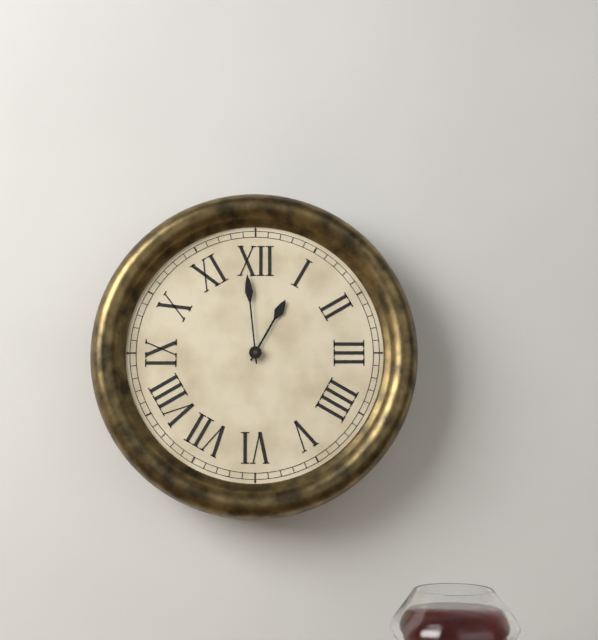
{"hour": 12, "minute": 59}
